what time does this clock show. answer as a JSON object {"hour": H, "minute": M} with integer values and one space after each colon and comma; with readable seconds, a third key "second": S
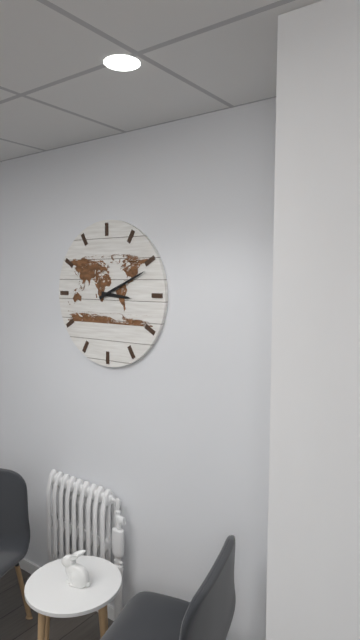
{"hour": 3, "minute": 11}
